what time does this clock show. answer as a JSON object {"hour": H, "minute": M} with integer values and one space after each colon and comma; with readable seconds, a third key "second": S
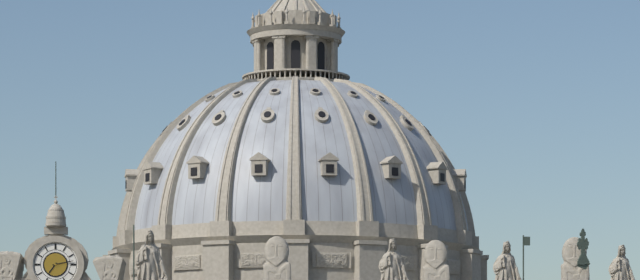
{"hour": 7, "minute": 13}
